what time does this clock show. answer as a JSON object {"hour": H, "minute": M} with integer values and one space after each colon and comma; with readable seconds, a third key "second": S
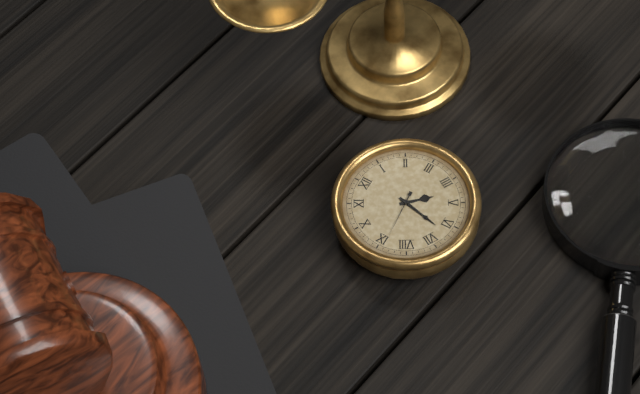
{"hour": 4, "minute": 32}
